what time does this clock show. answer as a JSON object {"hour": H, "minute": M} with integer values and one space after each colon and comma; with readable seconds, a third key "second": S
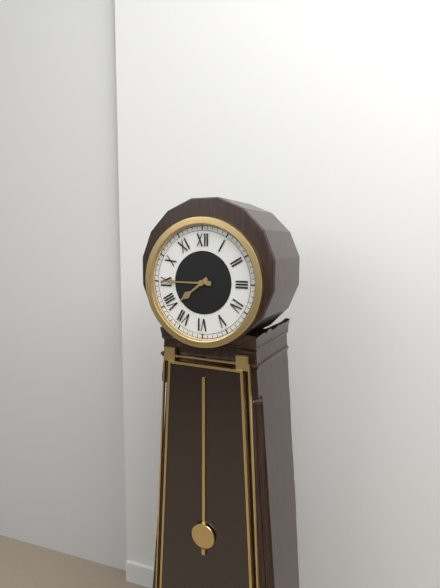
{"hour": 7, "minute": 45}
